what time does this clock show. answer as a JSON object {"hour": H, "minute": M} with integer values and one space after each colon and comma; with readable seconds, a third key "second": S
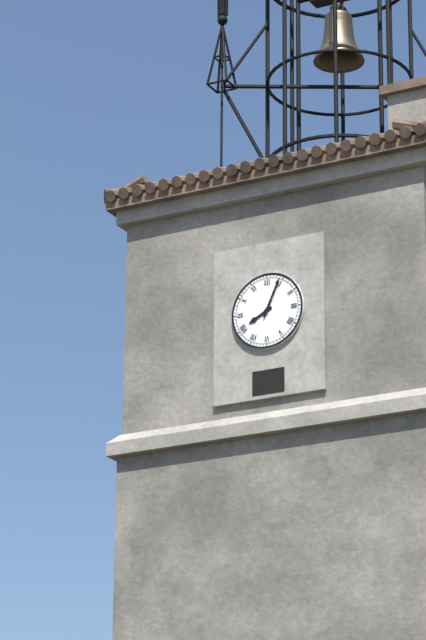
{"hour": 8, "minute": 4}
